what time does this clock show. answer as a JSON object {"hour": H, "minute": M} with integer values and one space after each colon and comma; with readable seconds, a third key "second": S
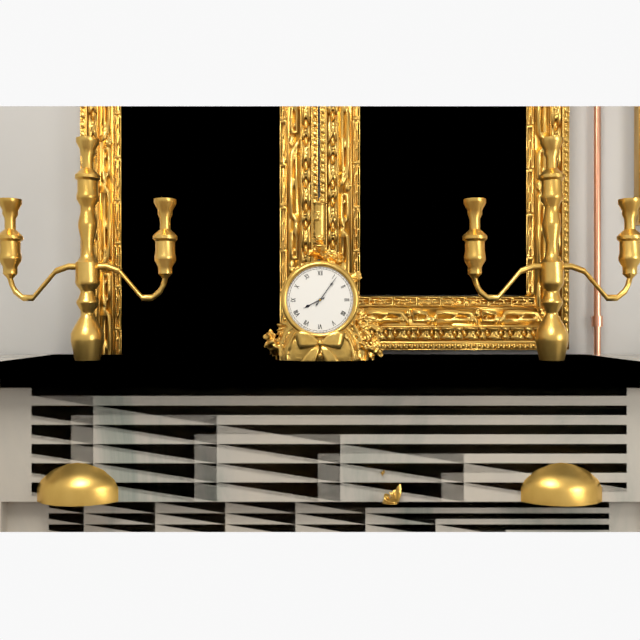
{"hour": 8, "minute": 6}
